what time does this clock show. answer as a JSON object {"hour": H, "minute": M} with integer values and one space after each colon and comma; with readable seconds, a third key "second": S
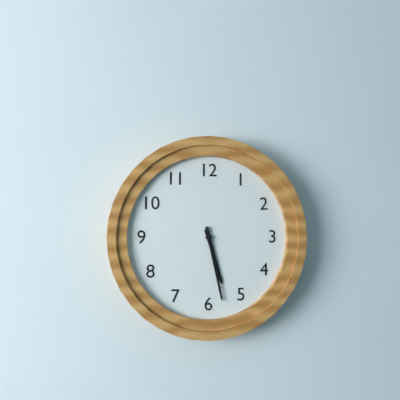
{"hour": 5, "minute": 28}
